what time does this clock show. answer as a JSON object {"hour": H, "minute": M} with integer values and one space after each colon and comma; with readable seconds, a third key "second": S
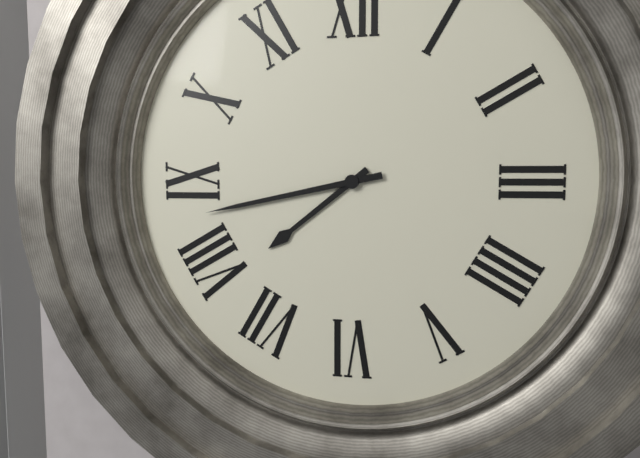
{"hour": 7, "minute": 43}
